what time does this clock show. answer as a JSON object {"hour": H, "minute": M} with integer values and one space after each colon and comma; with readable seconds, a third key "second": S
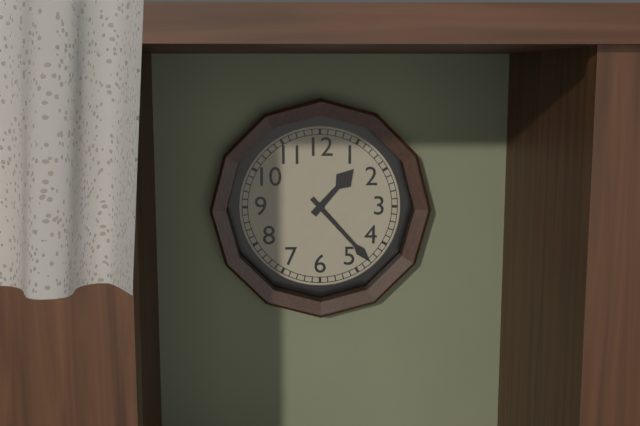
{"hour": 1, "minute": 23}
